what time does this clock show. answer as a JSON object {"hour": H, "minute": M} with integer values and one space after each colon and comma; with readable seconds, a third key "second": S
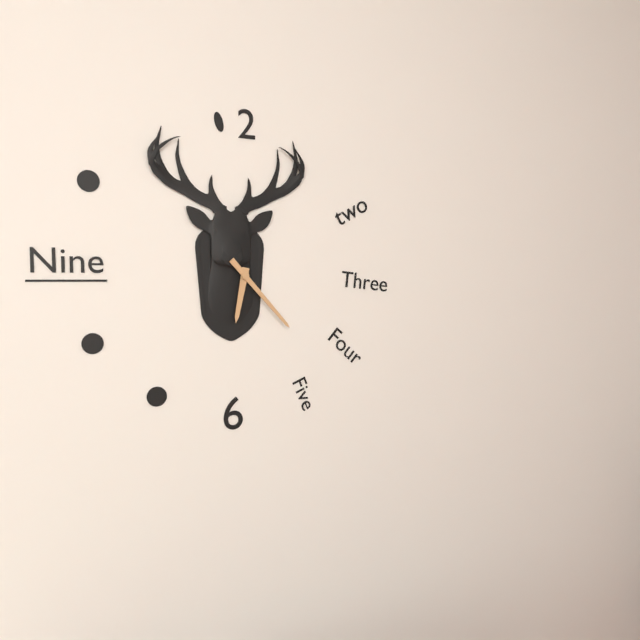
{"hour": 6, "minute": 23}
